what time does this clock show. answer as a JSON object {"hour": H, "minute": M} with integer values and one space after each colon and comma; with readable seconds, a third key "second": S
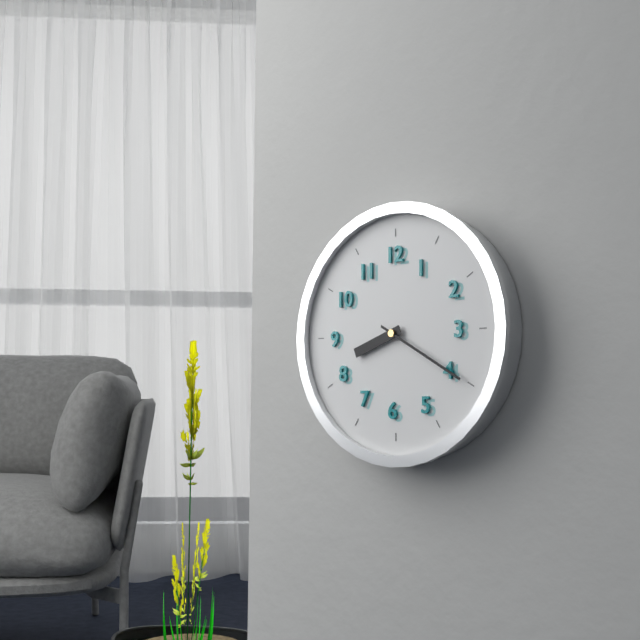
{"hour": 8, "minute": 20}
